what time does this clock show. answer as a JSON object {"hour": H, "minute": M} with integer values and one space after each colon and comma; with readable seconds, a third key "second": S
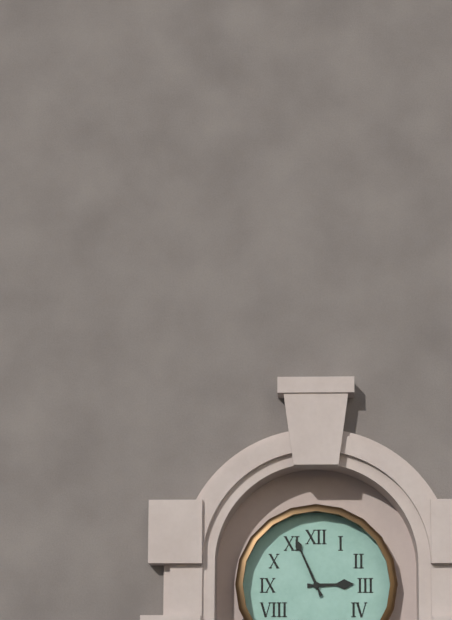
{"hour": 2, "minute": 56}
